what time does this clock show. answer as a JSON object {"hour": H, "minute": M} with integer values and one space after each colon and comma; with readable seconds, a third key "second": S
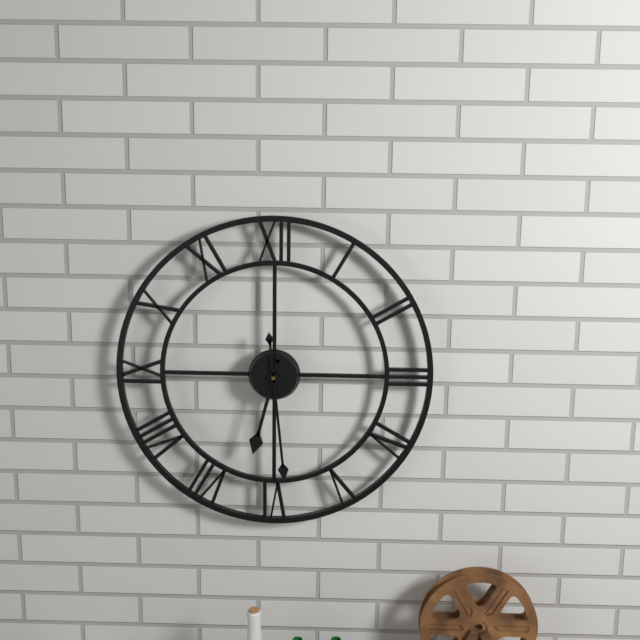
{"hour": 6, "minute": 29}
